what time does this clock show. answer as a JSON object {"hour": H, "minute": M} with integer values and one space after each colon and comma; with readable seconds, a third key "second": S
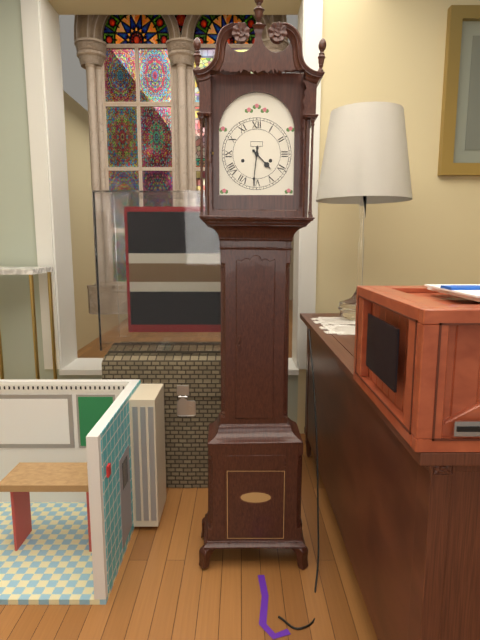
{"hour": 4, "minute": 31}
